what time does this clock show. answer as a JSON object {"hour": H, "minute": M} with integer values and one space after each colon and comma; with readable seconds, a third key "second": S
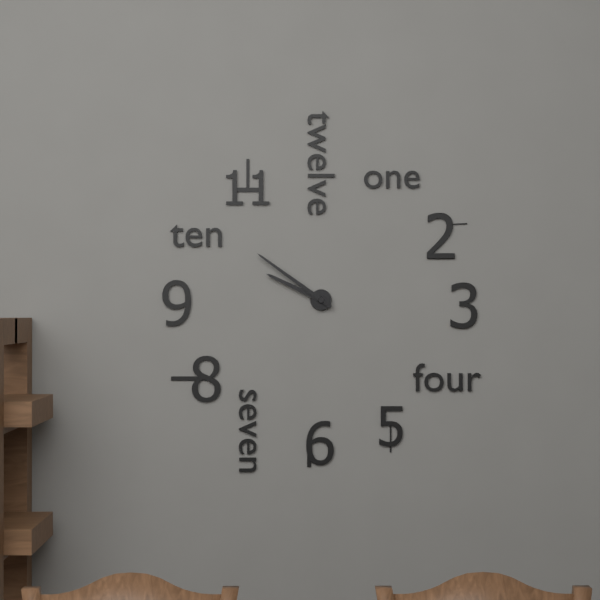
{"hour": 9, "minute": 51}
